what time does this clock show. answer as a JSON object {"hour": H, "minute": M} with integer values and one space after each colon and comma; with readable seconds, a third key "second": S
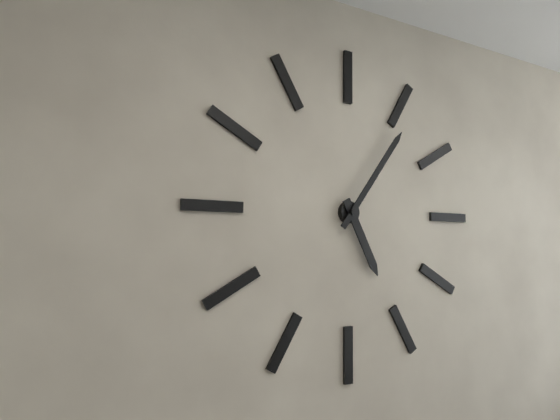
{"hour": 5, "minute": 6}
